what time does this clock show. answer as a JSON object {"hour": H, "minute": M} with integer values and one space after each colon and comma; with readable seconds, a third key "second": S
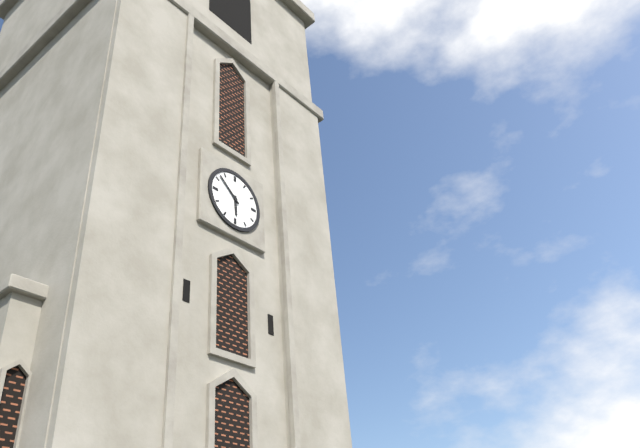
{"hour": 5, "minute": 52}
